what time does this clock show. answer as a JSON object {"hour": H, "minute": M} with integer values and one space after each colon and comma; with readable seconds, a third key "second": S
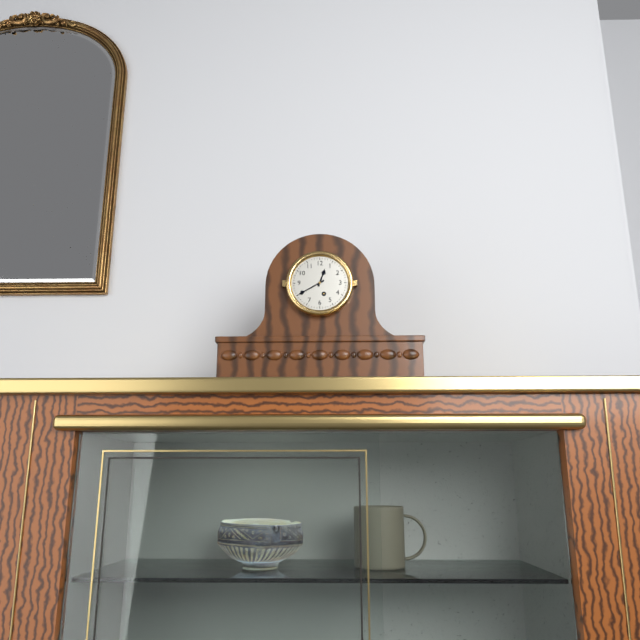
{"hour": 12, "minute": 40}
